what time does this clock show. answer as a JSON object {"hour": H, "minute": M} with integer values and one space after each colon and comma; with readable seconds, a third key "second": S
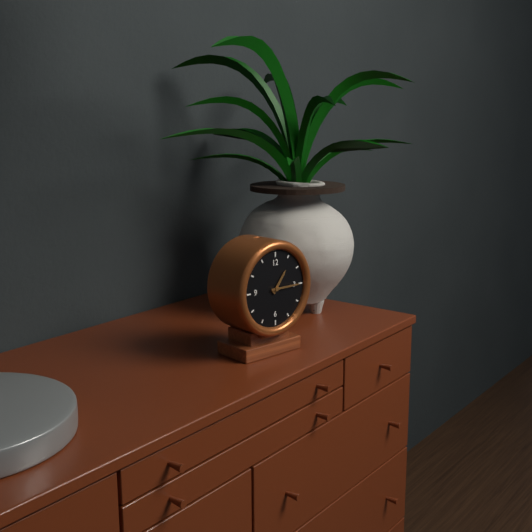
{"hour": 1, "minute": 15}
